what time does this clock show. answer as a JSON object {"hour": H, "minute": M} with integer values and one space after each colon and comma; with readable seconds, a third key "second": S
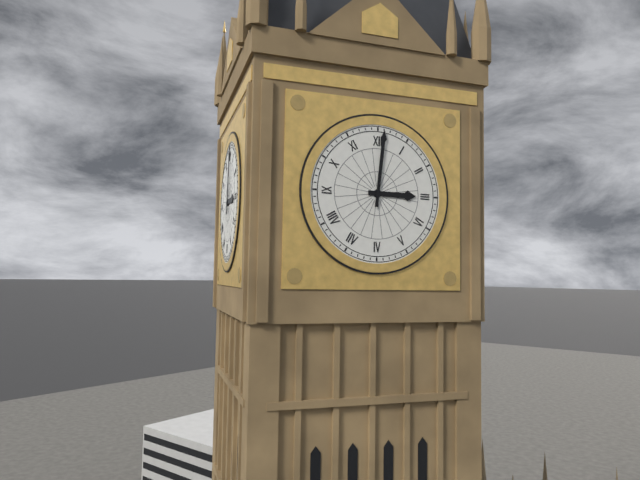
{"hour": 3, "minute": 1}
